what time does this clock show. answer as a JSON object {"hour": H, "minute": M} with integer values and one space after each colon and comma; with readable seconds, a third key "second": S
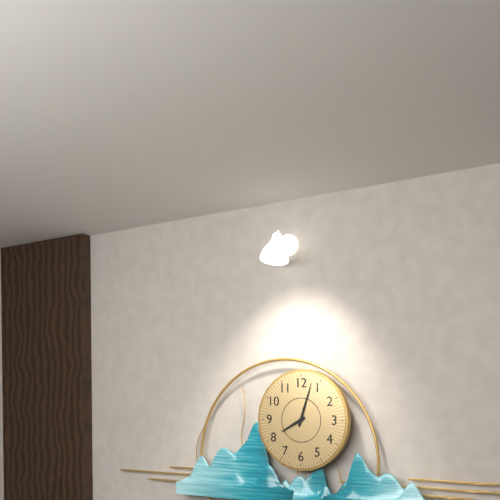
{"hour": 8, "minute": 3}
